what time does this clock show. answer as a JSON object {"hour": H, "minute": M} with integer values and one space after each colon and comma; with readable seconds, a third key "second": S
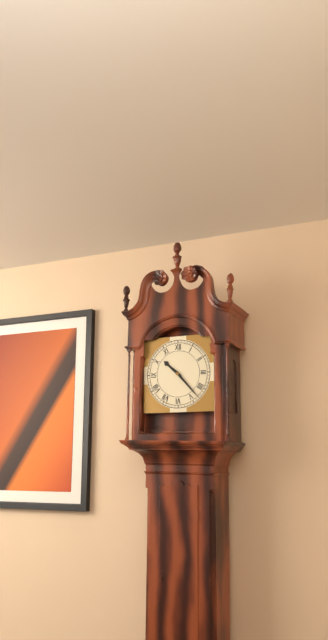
{"hour": 10, "minute": 23}
